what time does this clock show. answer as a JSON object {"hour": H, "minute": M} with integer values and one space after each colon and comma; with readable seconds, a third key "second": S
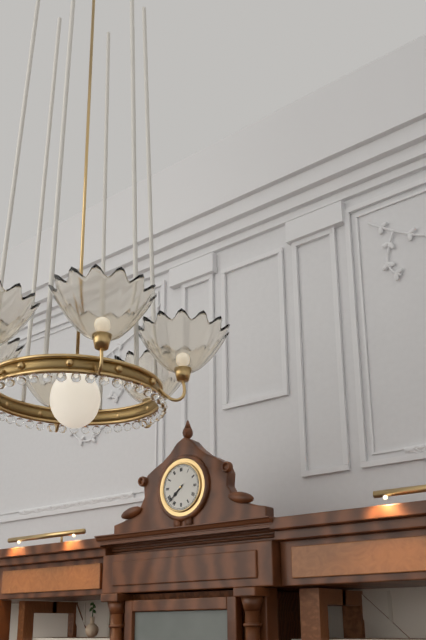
{"hour": 7, "minute": 38}
